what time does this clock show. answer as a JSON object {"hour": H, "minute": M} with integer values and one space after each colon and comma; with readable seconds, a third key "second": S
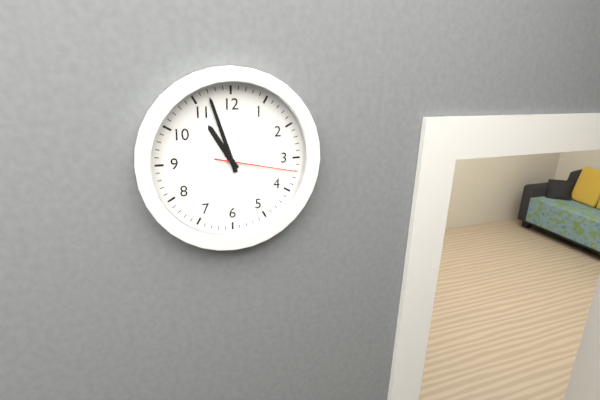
{"hour": 10, "minute": 57, "second": 17}
